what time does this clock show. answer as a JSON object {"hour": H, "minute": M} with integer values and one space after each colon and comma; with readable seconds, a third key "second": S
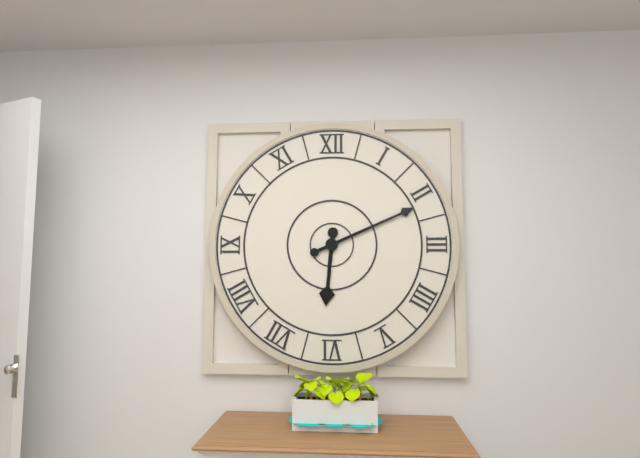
{"hour": 6, "minute": 11}
